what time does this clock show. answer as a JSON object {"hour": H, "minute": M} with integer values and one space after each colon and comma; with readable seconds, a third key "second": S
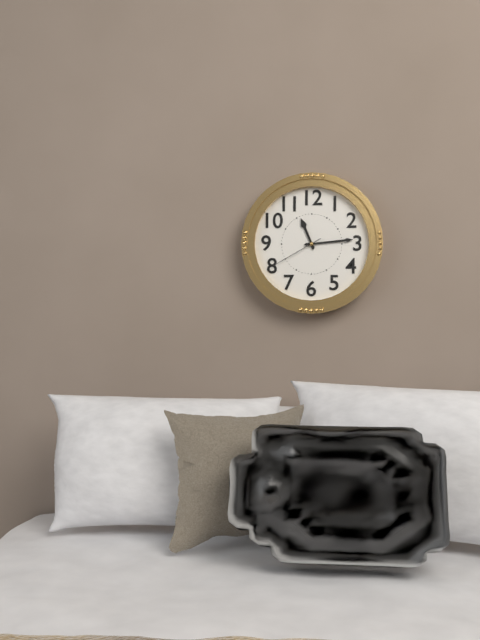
{"hour": 11, "minute": 14, "second": 40}
